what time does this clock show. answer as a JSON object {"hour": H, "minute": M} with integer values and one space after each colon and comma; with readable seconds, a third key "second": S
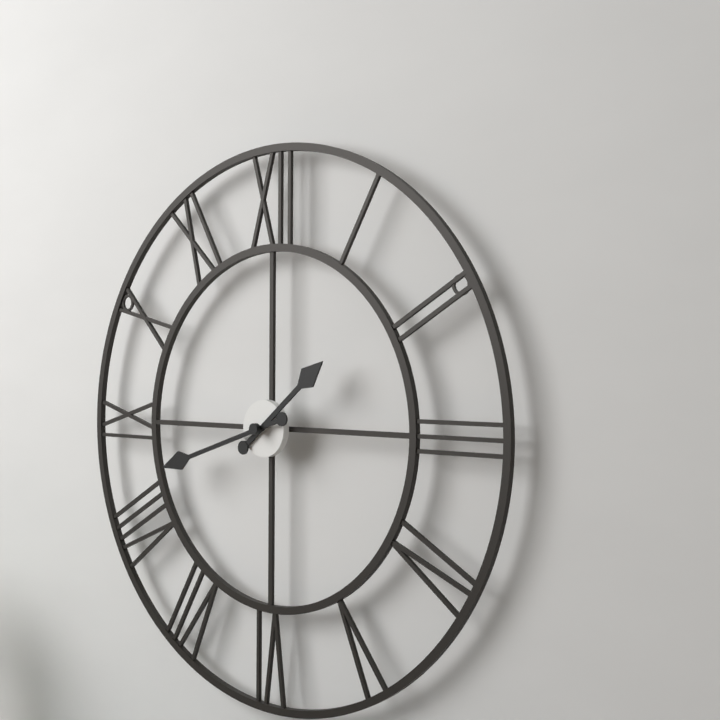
{"hour": 1, "minute": 42}
